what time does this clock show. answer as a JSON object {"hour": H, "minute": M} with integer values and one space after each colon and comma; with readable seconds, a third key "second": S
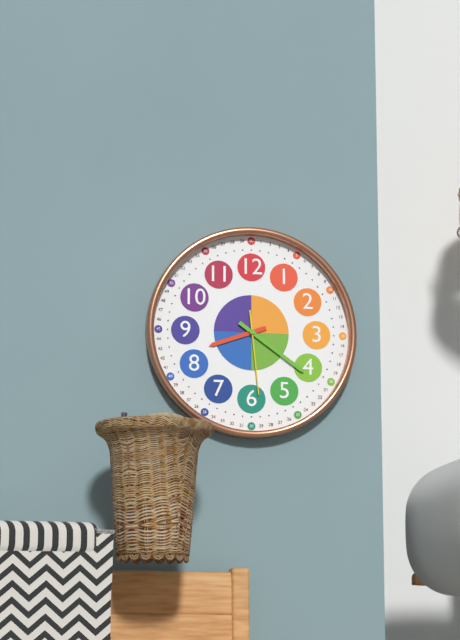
{"hour": 8, "minute": 21, "second": 29}
